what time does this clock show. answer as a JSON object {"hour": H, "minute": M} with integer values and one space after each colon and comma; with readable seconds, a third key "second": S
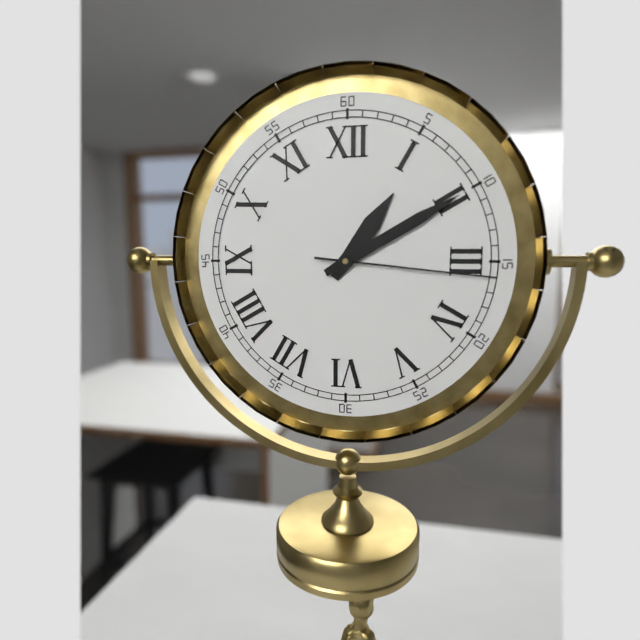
{"hour": 1, "minute": 10, "second": 16}
